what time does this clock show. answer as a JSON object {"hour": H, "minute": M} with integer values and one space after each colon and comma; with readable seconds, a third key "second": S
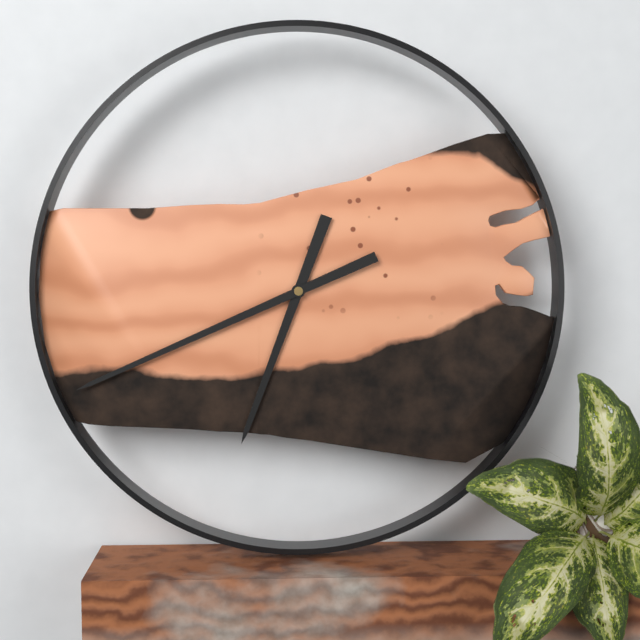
{"hour": 6, "minute": 41}
